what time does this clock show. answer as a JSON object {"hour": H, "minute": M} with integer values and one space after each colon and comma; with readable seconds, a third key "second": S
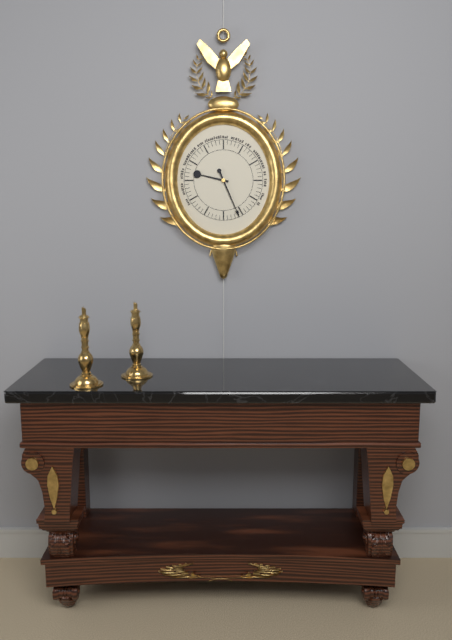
{"hour": 9, "minute": 26}
